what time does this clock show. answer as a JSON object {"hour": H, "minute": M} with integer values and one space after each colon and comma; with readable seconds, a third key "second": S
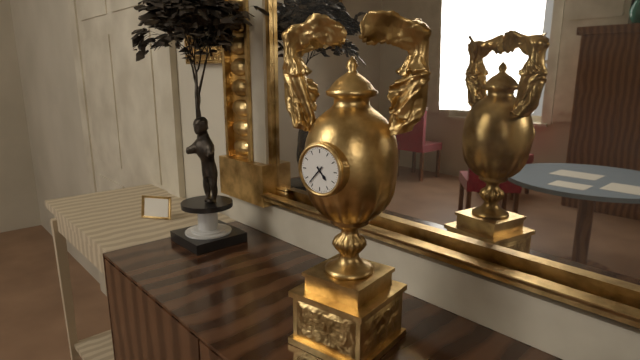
{"hour": 4, "minute": 37}
